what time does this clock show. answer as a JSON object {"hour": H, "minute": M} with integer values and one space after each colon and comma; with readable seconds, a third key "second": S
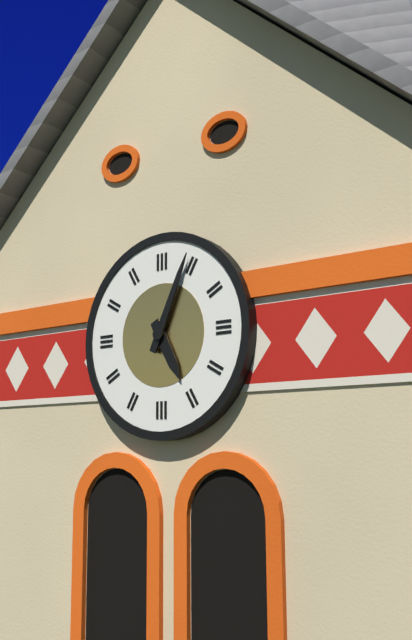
{"hour": 5, "minute": 4}
